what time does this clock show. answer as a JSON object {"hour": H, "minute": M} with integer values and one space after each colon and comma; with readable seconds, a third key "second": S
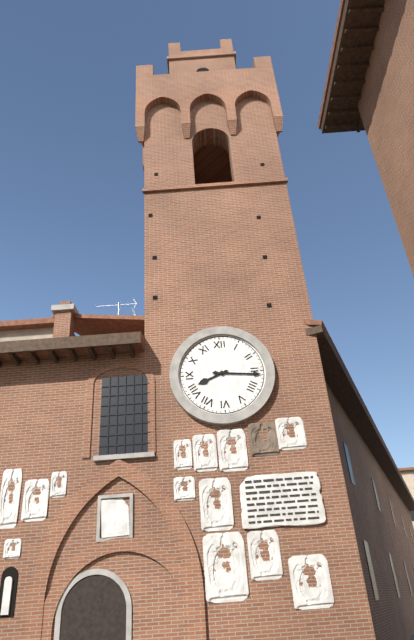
{"hour": 8, "minute": 16}
